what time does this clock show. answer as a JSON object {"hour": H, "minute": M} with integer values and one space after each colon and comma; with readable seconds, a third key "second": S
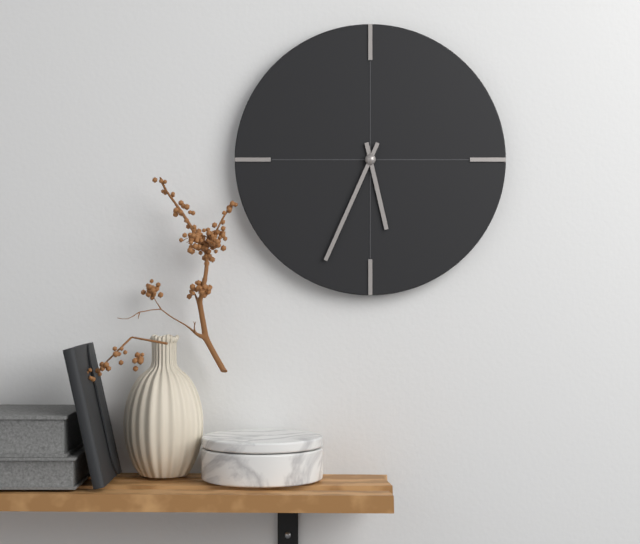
{"hour": 5, "minute": 34}
